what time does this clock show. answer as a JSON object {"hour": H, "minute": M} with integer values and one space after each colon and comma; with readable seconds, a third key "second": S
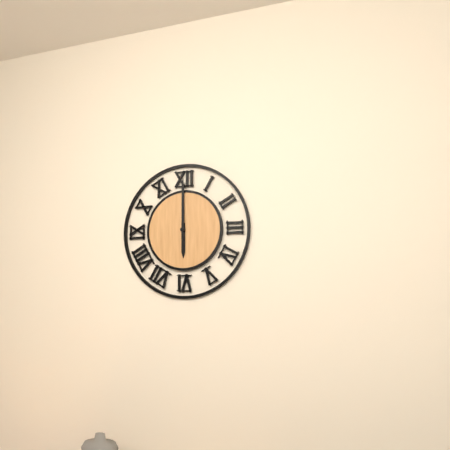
{"hour": 6, "minute": 0}
